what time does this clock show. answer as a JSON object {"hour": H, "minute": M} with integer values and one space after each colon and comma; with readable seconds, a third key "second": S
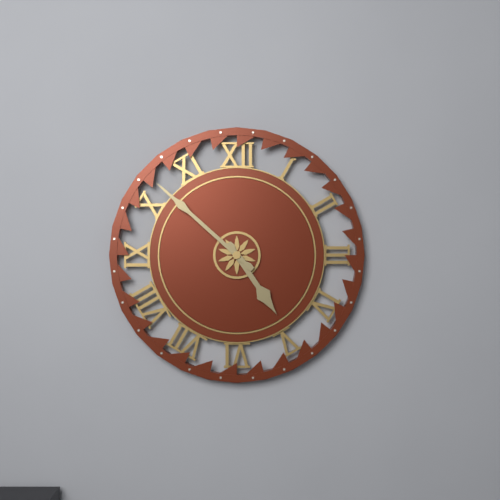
{"hour": 4, "minute": 52}
